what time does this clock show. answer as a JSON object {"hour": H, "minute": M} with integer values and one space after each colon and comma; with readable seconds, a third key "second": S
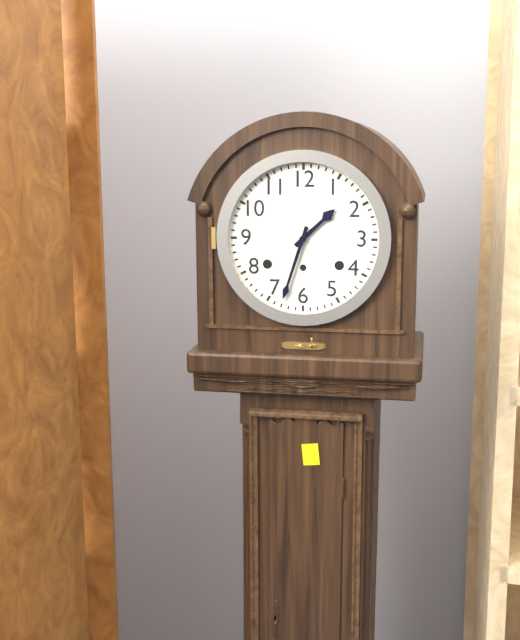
{"hour": 1, "minute": 33}
